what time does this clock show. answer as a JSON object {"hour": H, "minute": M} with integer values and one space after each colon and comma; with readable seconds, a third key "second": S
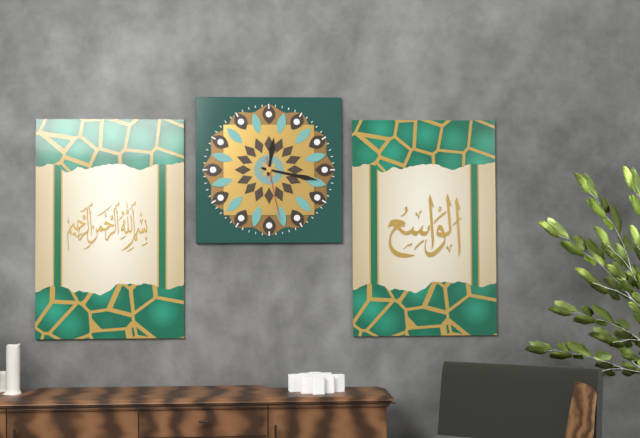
{"hour": 12, "minute": 17, "second": 28}
